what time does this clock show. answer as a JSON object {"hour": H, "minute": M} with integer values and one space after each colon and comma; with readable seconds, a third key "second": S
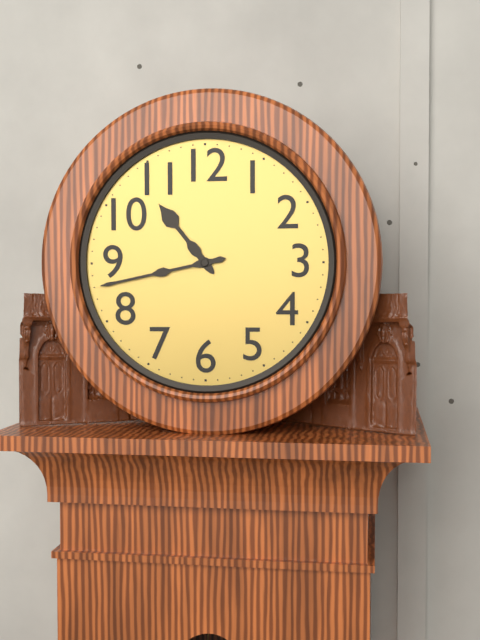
{"hour": 10, "minute": 43}
